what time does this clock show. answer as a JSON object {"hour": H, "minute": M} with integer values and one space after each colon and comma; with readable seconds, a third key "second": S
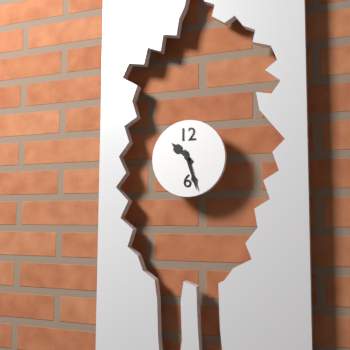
{"hour": 10, "minute": 27}
